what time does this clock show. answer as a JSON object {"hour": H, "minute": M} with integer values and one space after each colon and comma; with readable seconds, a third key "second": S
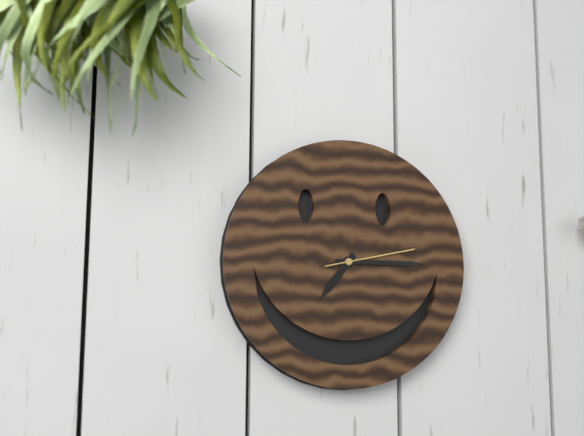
{"hour": 7, "minute": 15, "second": 13}
